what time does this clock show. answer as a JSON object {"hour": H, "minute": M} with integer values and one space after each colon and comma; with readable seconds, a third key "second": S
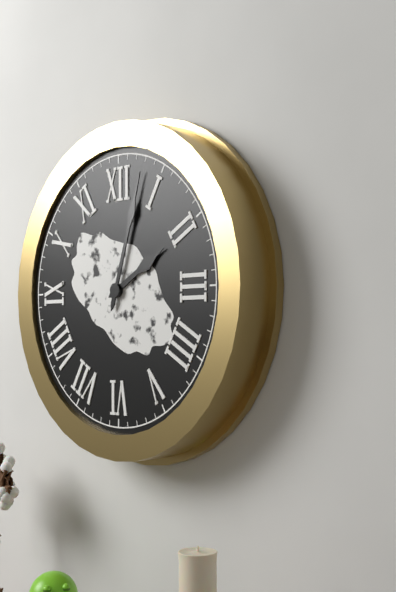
{"hour": 2, "minute": 3}
